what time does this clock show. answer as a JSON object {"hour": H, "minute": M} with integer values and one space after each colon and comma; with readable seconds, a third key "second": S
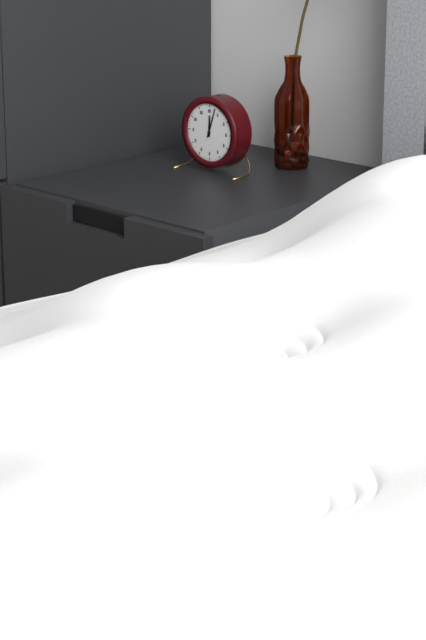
{"hour": 12, "minute": 3}
